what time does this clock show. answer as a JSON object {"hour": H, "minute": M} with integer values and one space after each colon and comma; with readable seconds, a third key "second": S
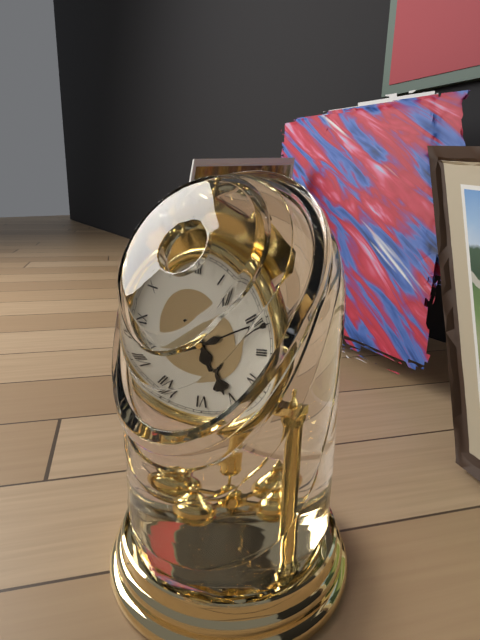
{"hour": 5, "minute": 11}
